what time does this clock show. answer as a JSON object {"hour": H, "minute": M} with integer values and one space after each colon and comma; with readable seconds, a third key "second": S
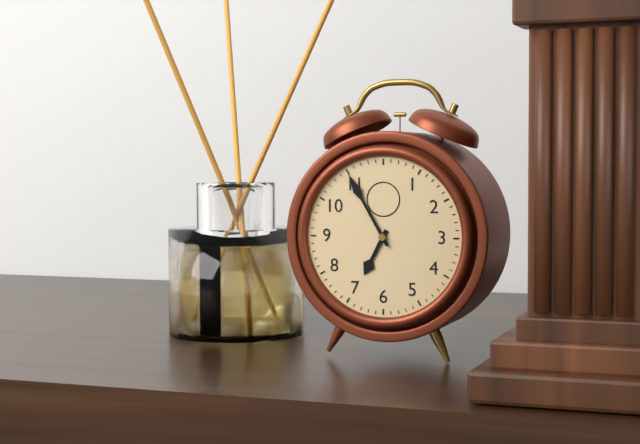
{"hour": 6, "minute": 55}
